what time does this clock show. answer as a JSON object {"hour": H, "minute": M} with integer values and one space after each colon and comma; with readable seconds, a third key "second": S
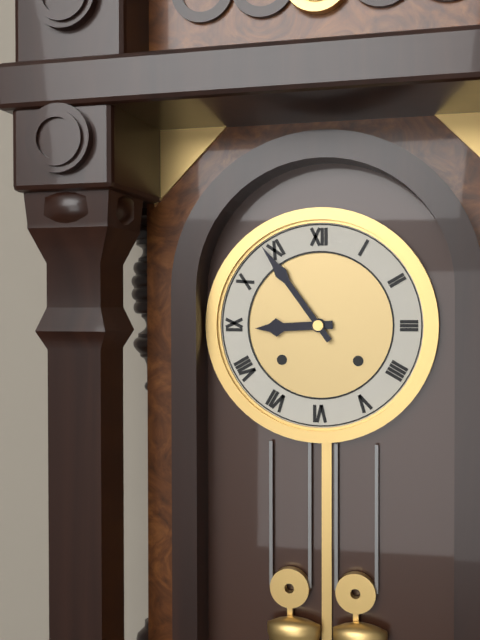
{"hour": 8, "minute": 54}
